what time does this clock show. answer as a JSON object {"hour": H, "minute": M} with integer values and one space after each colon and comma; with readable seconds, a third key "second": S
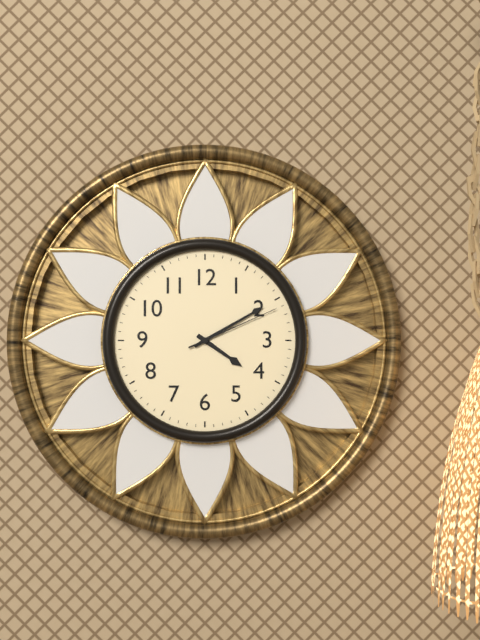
{"hour": 4, "minute": 10, "second": 11}
